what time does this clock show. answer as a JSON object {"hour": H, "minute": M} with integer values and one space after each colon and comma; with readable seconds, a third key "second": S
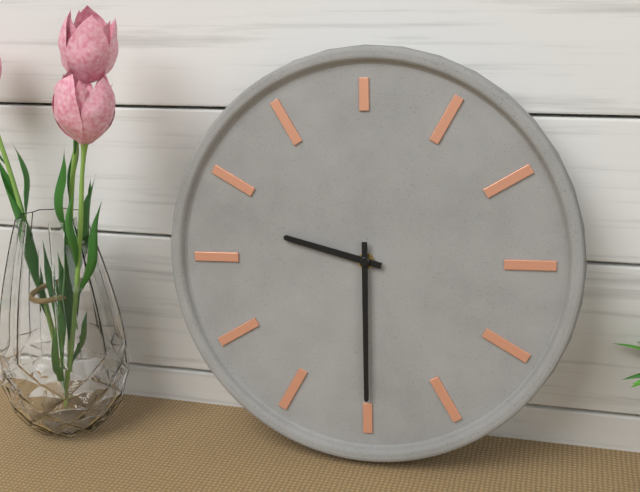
{"hour": 9, "minute": 30}
